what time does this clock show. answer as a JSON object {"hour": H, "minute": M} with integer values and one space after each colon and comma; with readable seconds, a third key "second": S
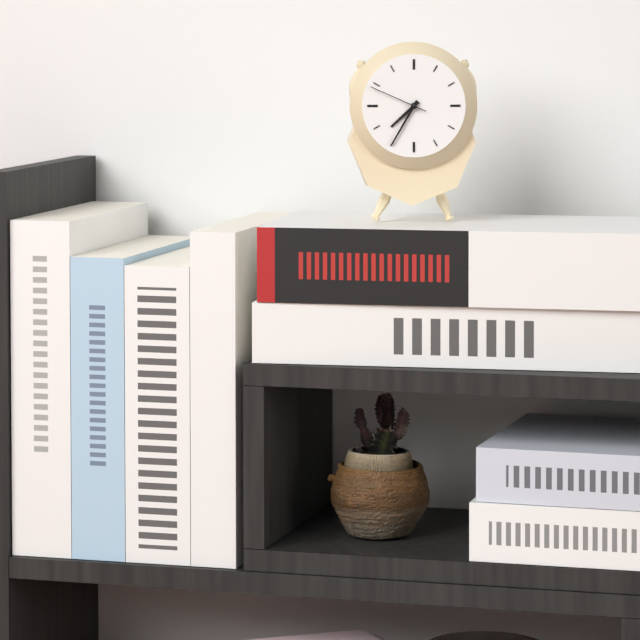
{"hour": 7, "minute": 35, "second": 49}
